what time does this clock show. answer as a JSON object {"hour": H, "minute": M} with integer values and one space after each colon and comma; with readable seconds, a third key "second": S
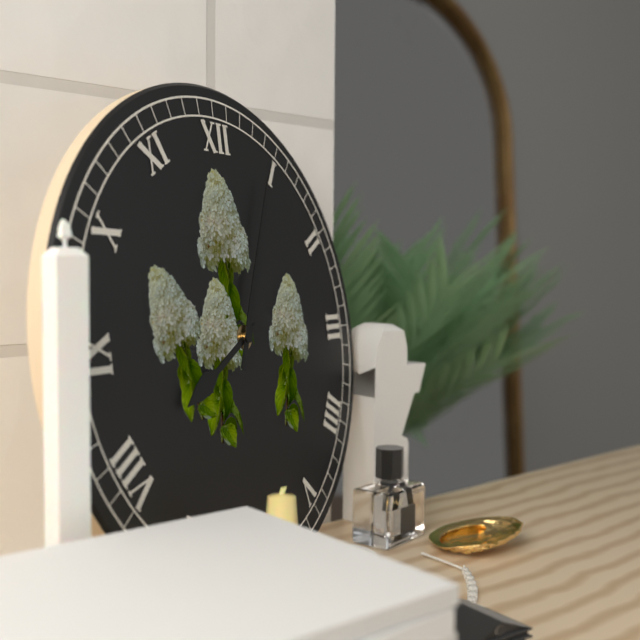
{"hour": 8, "minute": 4}
